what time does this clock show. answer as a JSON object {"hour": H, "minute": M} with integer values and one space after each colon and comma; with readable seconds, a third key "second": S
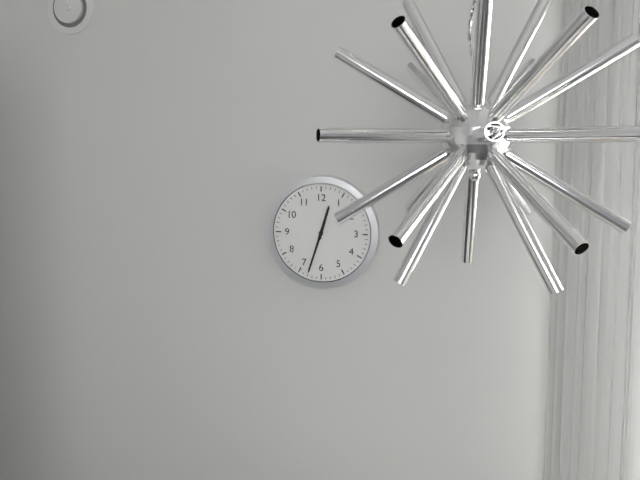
{"hour": 12, "minute": 33}
